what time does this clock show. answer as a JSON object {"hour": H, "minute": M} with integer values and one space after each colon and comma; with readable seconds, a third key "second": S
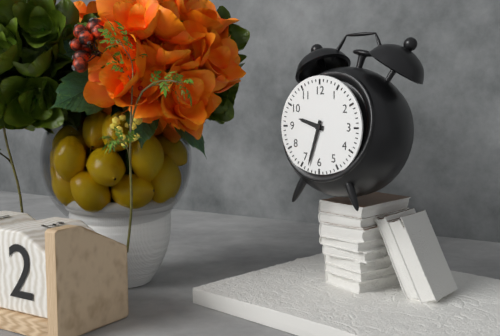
{"hour": 9, "minute": 33}
